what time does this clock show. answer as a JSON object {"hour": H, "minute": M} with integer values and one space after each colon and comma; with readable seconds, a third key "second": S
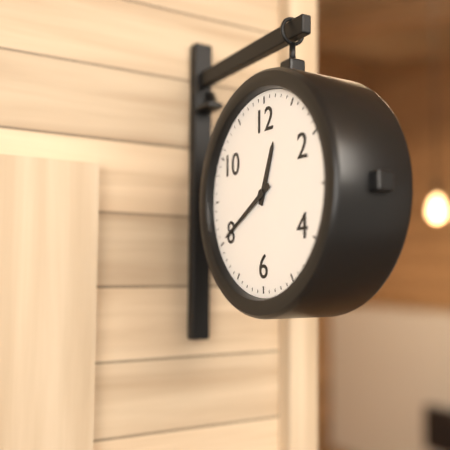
{"hour": 12, "minute": 40}
